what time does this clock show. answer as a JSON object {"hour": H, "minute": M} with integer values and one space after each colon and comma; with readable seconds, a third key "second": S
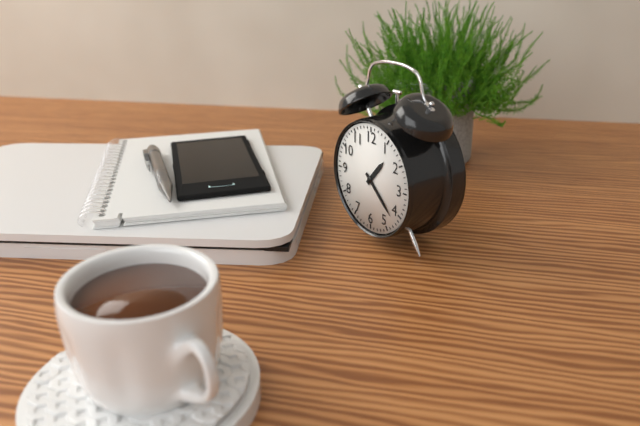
{"hour": 1, "minute": 22}
